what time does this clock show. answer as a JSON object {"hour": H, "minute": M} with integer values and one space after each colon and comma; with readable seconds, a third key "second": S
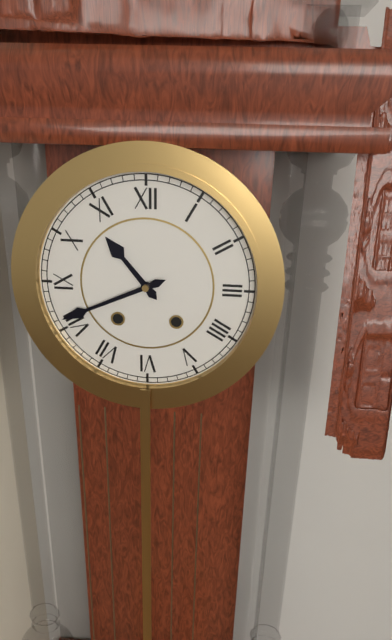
{"hour": 10, "minute": 41}
